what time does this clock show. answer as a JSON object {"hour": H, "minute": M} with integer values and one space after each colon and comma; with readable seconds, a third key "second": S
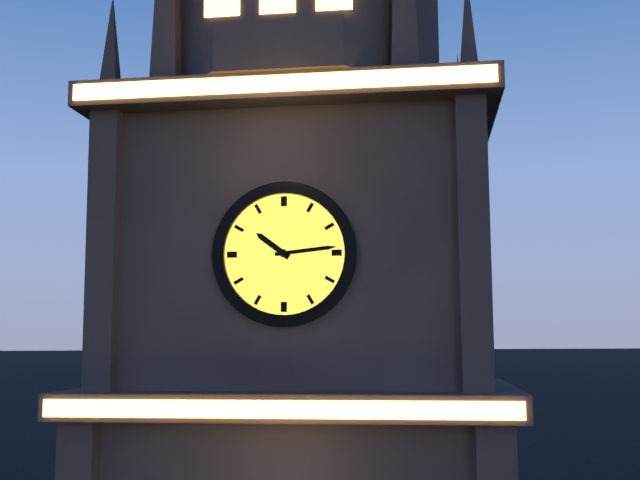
{"hour": 10, "minute": 14}
